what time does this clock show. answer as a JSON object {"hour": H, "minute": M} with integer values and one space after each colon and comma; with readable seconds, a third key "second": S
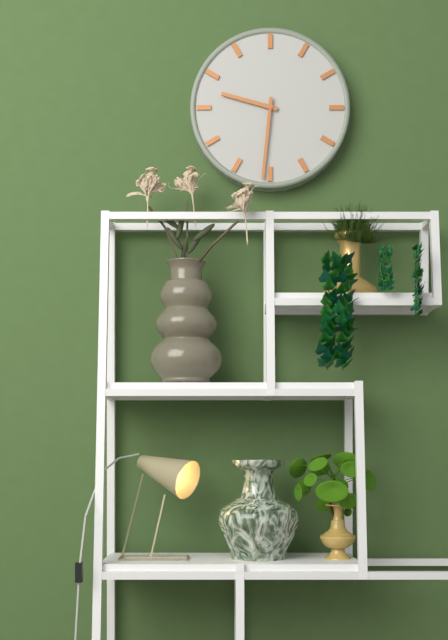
{"hour": 9, "minute": 31}
